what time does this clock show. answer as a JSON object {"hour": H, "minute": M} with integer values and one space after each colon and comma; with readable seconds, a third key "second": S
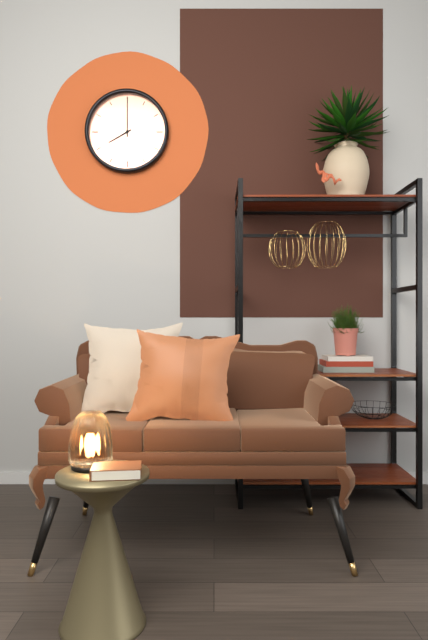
{"hour": 8, "minute": 0}
